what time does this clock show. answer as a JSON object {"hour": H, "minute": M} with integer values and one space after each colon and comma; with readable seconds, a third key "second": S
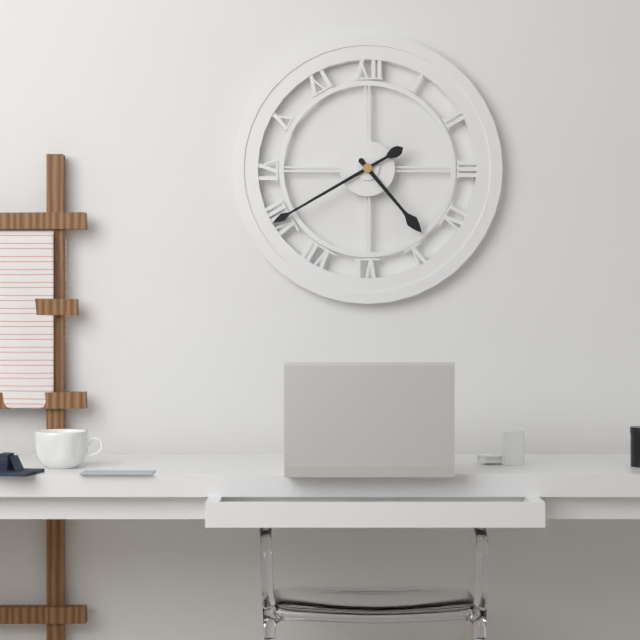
{"hour": 4, "minute": 40}
